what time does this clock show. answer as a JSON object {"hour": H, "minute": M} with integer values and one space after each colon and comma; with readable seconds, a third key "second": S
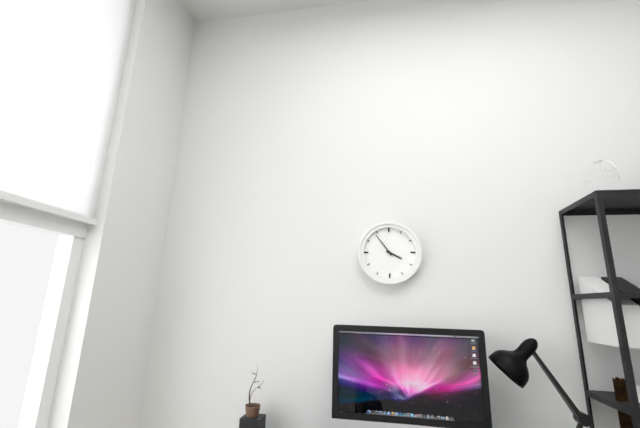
{"hour": 3, "minute": 54}
